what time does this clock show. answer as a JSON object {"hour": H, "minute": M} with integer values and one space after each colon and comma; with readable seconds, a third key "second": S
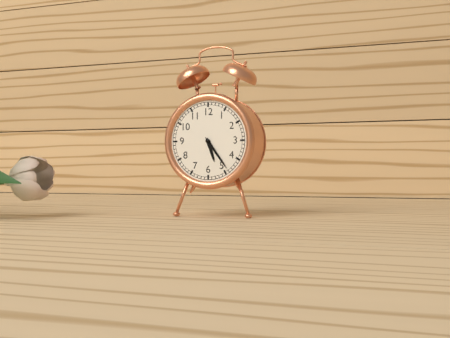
{"hour": 5, "minute": 24}
